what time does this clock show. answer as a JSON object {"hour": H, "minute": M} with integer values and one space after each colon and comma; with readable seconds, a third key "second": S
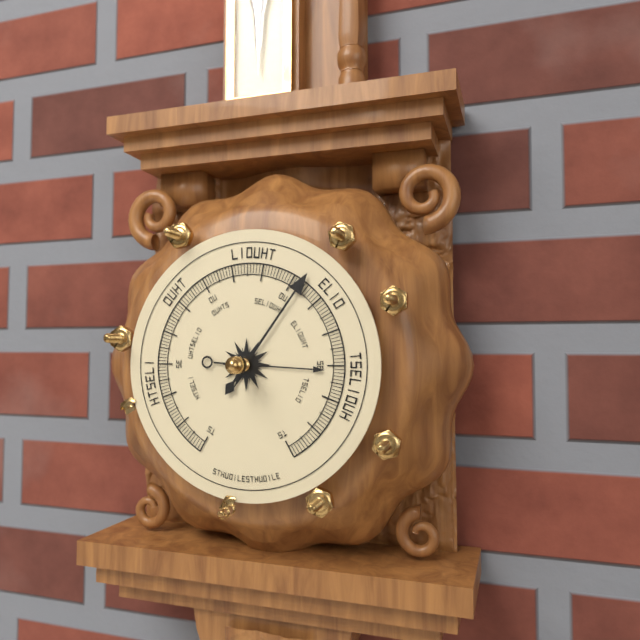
{"hour": 3, "minute": 6}
